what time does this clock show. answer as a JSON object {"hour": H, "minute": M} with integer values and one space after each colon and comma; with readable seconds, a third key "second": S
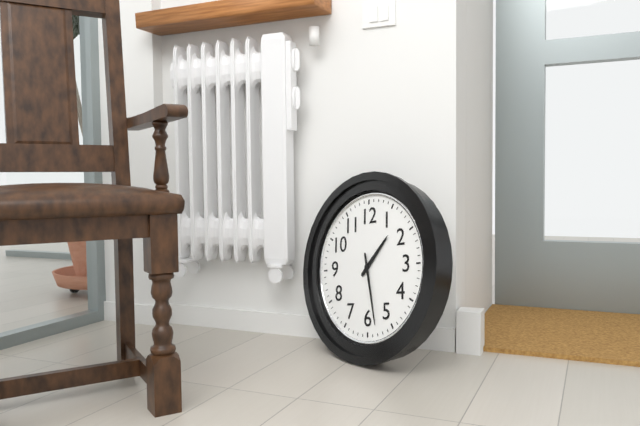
{"hour": 1, "minute": 28}
